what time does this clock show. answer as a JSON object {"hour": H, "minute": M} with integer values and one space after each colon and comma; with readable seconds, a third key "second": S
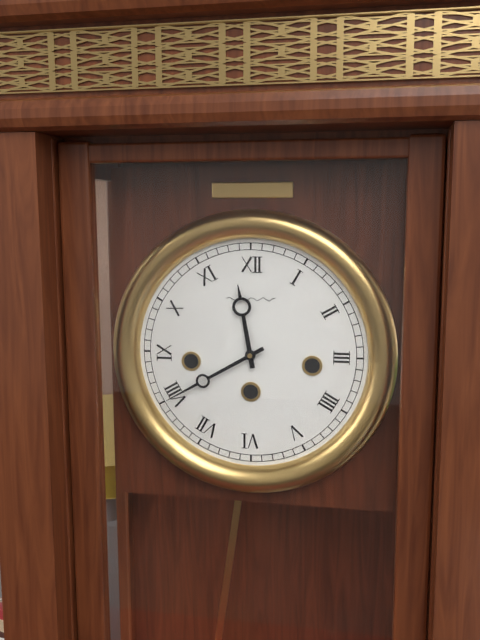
{"hour": 11, "minute": 40}
